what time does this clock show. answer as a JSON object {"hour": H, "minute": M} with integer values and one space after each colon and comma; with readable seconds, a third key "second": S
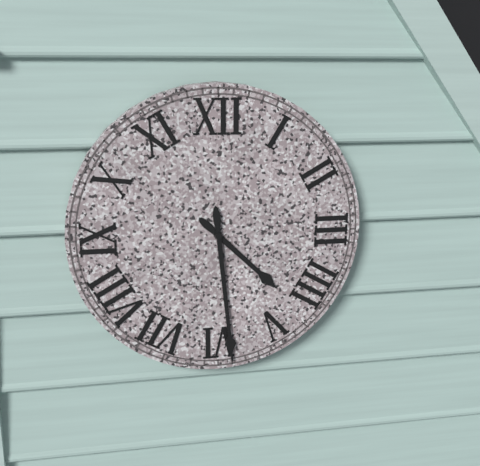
{"hour": 4, "minute": 29}
